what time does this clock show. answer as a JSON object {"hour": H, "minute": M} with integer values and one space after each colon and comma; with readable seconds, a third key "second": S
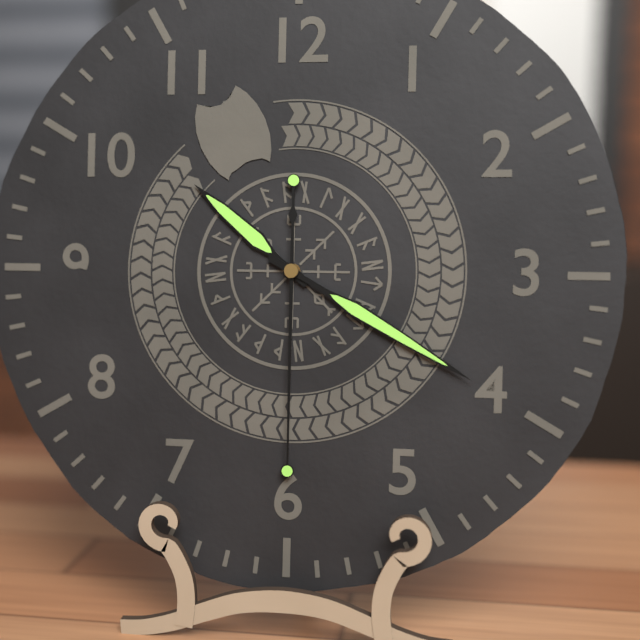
{"hour": 10, "minute": 20, "second": 30}
